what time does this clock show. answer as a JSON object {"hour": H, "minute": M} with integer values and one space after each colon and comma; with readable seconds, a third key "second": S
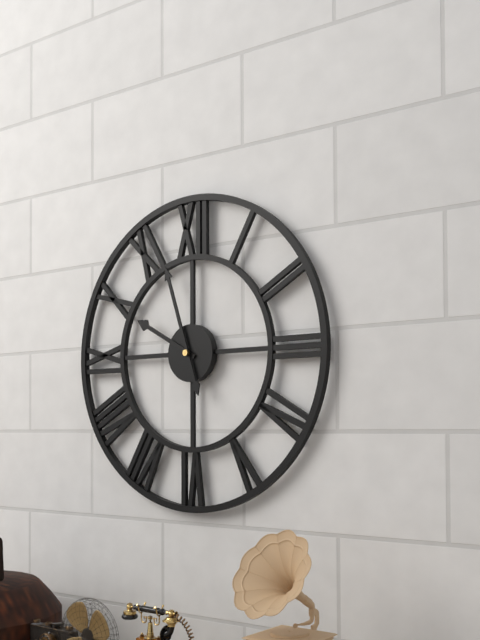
{"hour": 9, "minute": 57}
